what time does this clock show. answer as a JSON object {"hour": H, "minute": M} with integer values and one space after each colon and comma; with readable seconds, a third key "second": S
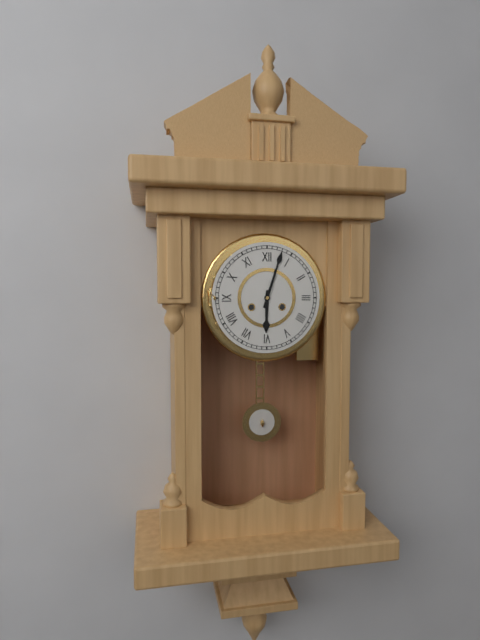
{"hour": 6, "minute": 3}
